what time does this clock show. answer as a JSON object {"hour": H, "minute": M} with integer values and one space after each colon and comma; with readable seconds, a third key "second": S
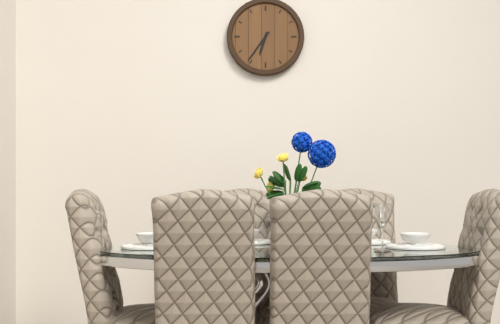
{"hour": 6, "minute": 36}
